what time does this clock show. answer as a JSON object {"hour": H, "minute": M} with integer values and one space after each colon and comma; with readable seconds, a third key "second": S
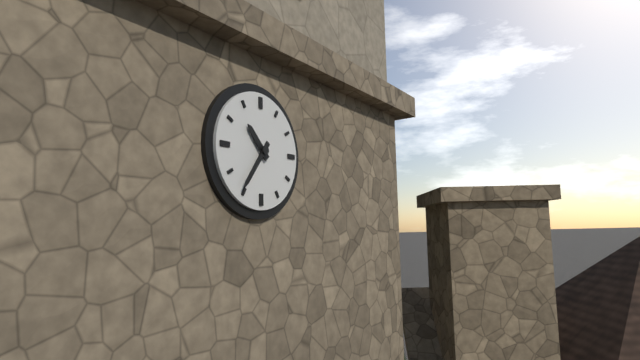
{"hour": 10, "minute": 36}
